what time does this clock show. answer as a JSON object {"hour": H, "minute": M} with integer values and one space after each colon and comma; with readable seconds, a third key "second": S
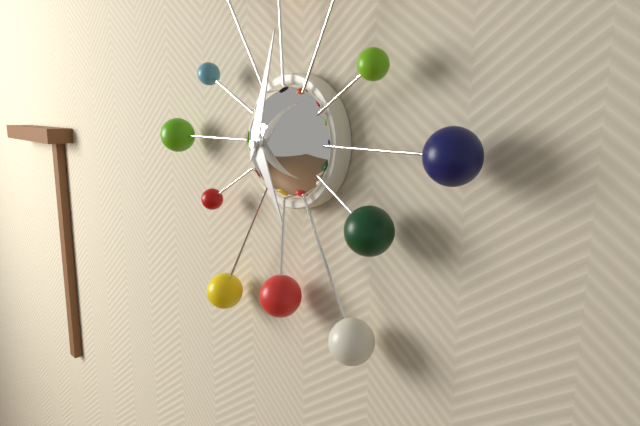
{"hour": 5, "minute": 3}
